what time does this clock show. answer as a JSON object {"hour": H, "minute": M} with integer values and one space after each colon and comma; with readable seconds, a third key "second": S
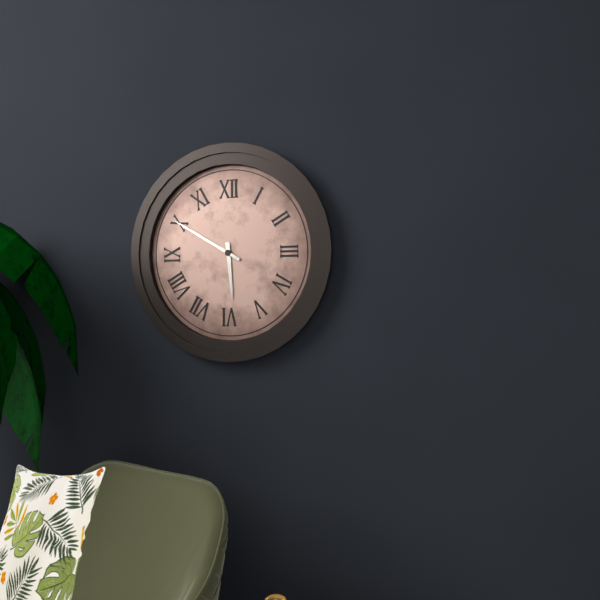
{"hour": 5, "minute": 50}
